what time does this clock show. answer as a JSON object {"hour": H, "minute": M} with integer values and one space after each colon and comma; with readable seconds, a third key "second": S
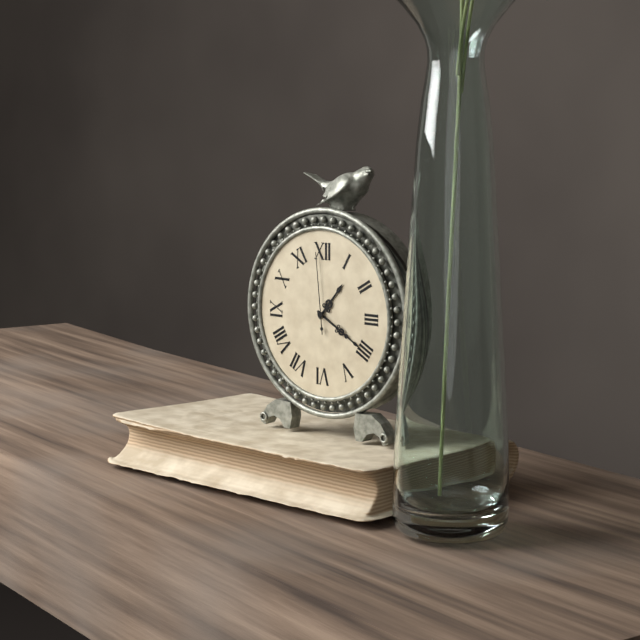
{"hour": 1, "minute": 20, "second": 59}
